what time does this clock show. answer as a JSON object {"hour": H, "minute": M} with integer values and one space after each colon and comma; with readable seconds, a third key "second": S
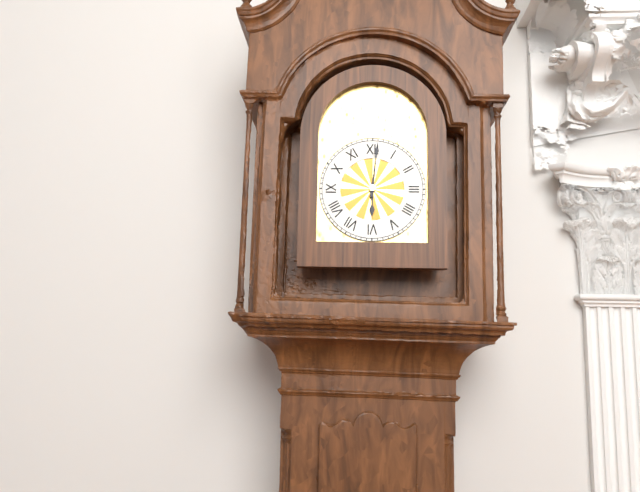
{"hour": 6, "minute": 1}
